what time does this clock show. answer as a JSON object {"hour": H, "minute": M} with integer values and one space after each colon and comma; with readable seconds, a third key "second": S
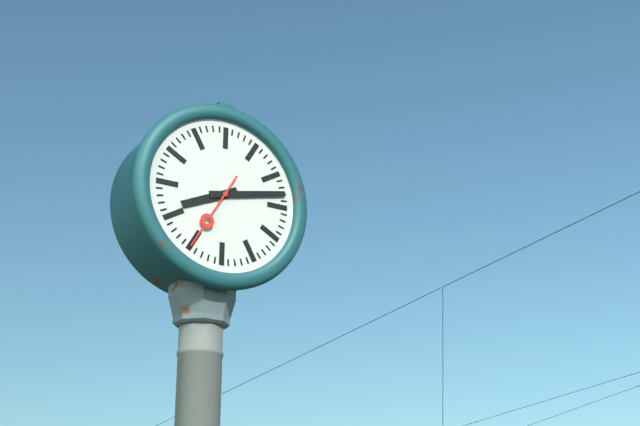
{"hour": 8, "minute": 13, "second": 35}
